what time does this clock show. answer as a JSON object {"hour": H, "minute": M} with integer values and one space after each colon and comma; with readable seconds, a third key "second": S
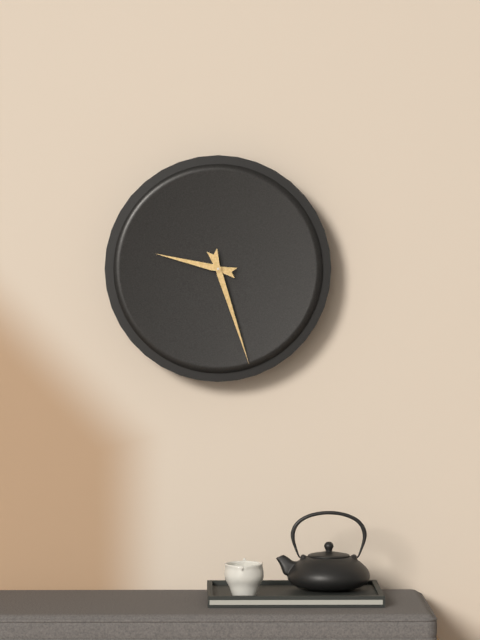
{"hour": 9, "minute": 27}
